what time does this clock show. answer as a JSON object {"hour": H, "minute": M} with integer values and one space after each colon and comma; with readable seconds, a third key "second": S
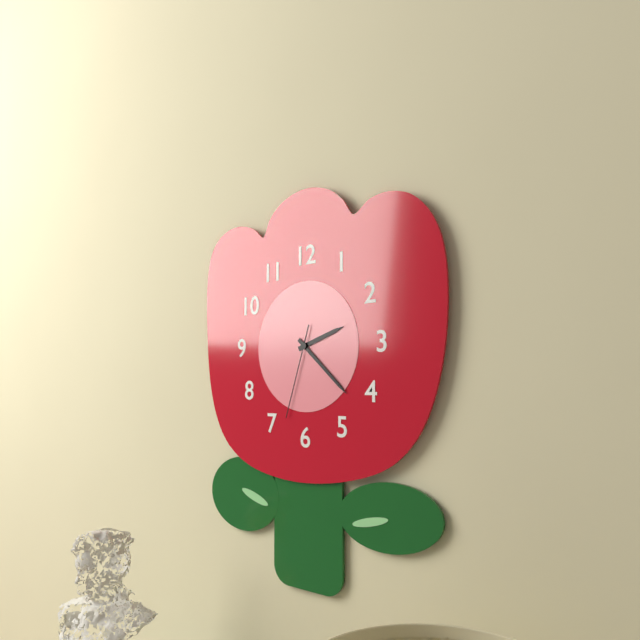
{"hour": 2, "minute": 22, "second": 33}
